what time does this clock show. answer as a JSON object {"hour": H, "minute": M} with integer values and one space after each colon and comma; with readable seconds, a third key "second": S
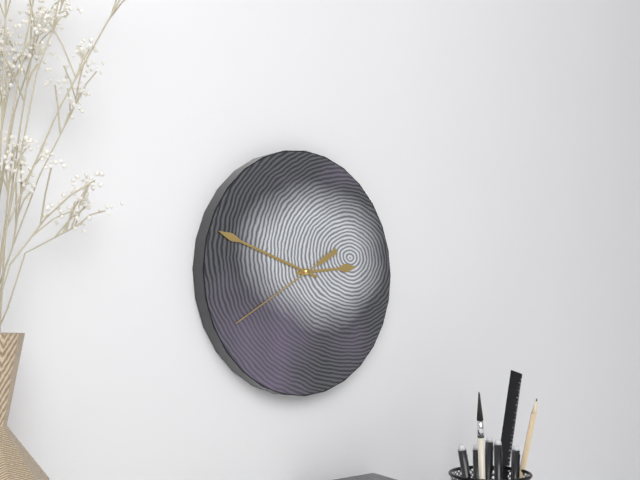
{"hour": 2, "minute": 48, "second": 40}
